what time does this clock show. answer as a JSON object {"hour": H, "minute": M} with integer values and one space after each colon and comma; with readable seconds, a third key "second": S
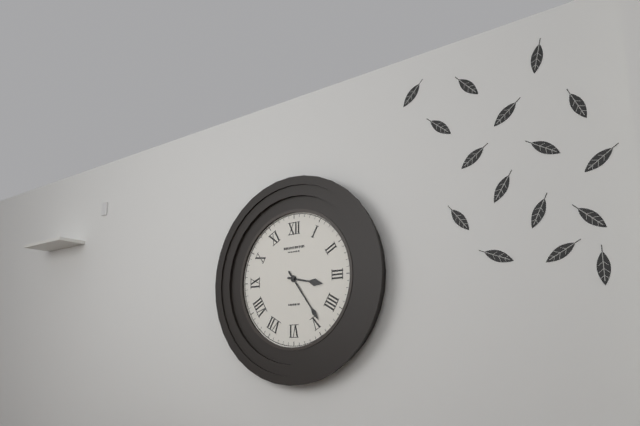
{"hour": 3, "minute": 24}
